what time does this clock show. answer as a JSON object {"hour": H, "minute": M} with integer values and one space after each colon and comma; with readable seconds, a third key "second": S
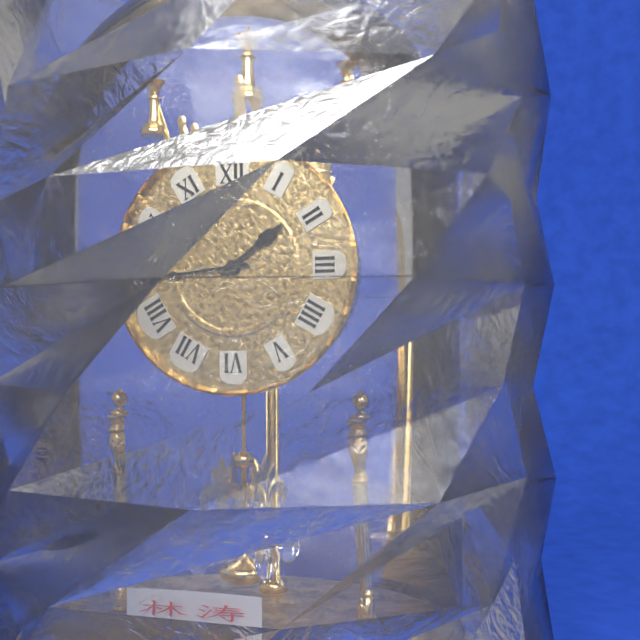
{"hour": 1, "minute": 44}
